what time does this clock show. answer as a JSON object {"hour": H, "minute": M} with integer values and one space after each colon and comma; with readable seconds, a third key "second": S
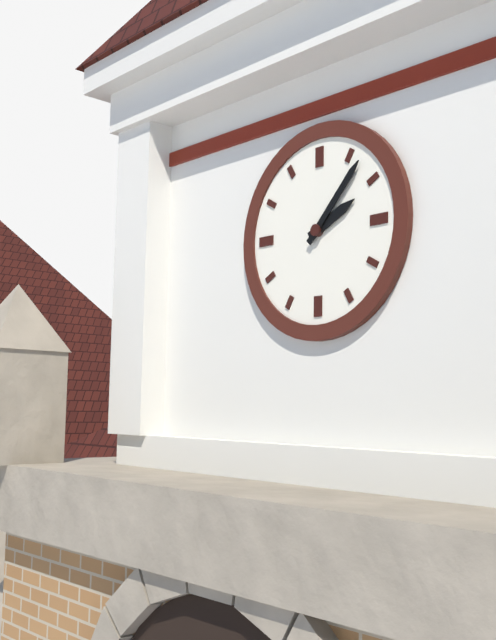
{"hour": 2, "minute": 7}
